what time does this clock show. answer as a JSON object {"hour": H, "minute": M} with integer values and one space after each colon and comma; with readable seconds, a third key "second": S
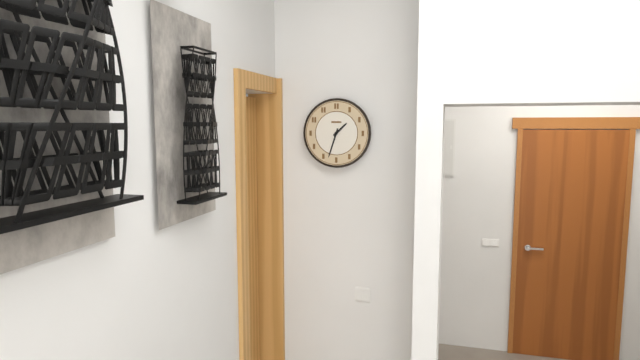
{"hour": 1, "minute": 33}
